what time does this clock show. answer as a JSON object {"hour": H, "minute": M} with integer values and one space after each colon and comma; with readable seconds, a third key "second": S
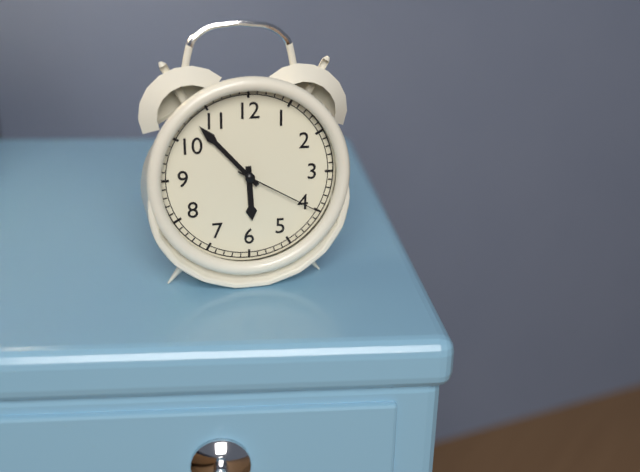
{"hour": 5, "minute": 53, "second": 20}
